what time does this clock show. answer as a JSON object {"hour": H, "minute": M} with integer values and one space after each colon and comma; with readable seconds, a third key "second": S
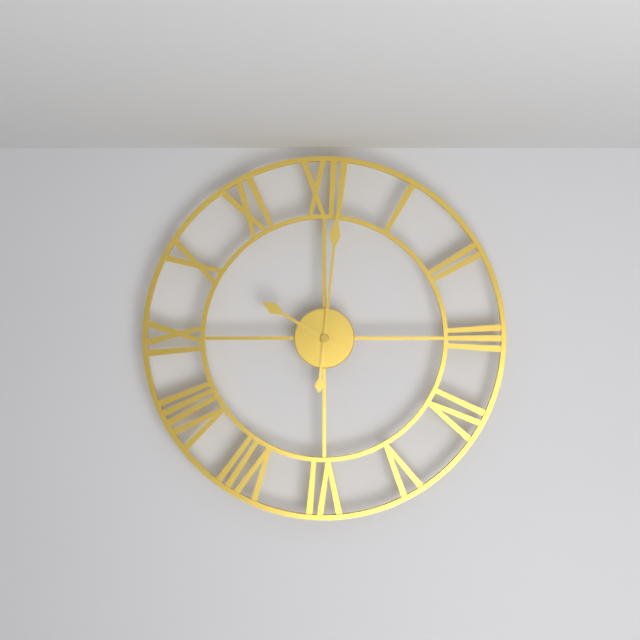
{"hour": 10, "minute": 1}
